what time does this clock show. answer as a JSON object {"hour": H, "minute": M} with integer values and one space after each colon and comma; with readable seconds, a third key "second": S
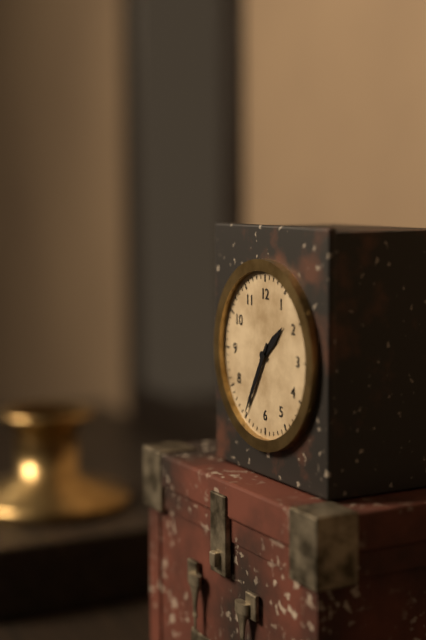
{"hour": 1, "minute": 35}
